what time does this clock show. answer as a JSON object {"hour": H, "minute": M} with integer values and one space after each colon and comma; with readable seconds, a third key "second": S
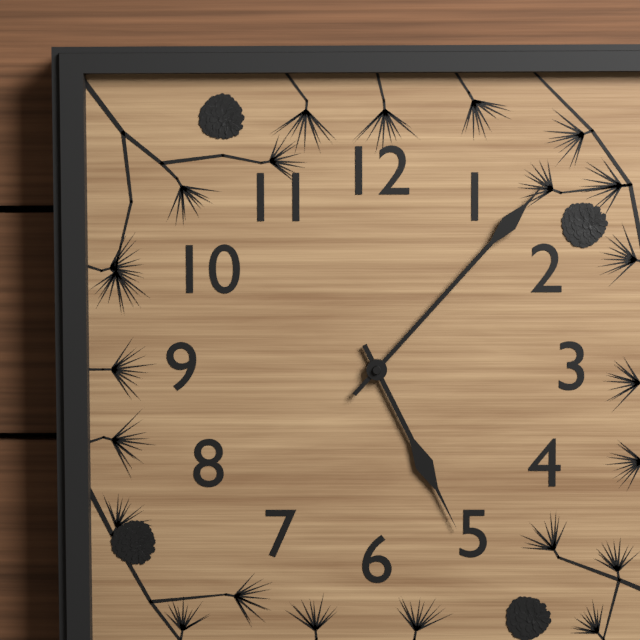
{"hour": 5, "minute": 7}
